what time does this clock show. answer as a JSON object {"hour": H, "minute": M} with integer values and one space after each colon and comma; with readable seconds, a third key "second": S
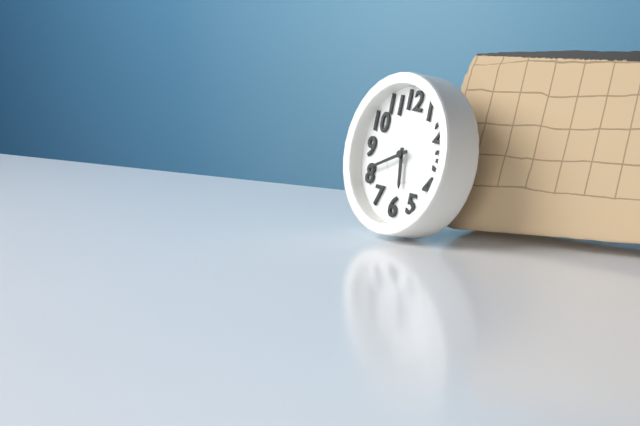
{"hour": 5, "minute": 41}
